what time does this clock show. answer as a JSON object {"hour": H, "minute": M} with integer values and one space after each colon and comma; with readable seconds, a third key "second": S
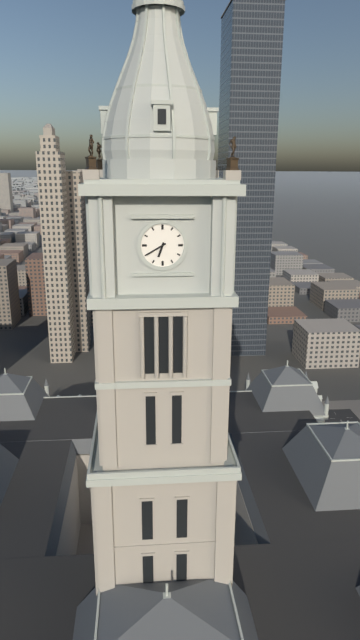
{"hour": 6, "minute": 40}
